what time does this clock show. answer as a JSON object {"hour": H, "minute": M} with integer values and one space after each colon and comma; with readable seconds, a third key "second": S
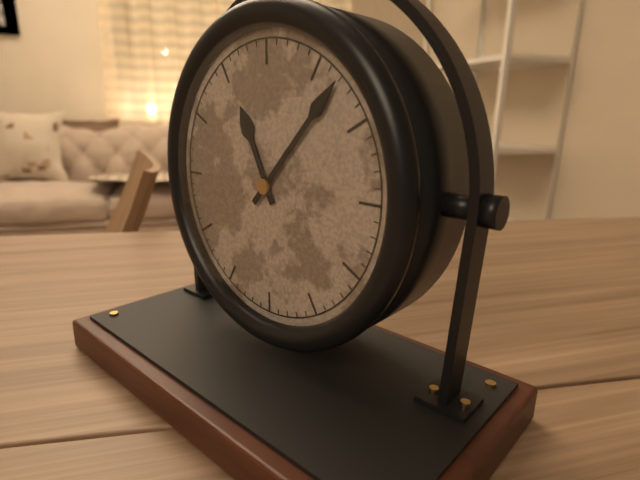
{"hour": 11, "minute": 7}
